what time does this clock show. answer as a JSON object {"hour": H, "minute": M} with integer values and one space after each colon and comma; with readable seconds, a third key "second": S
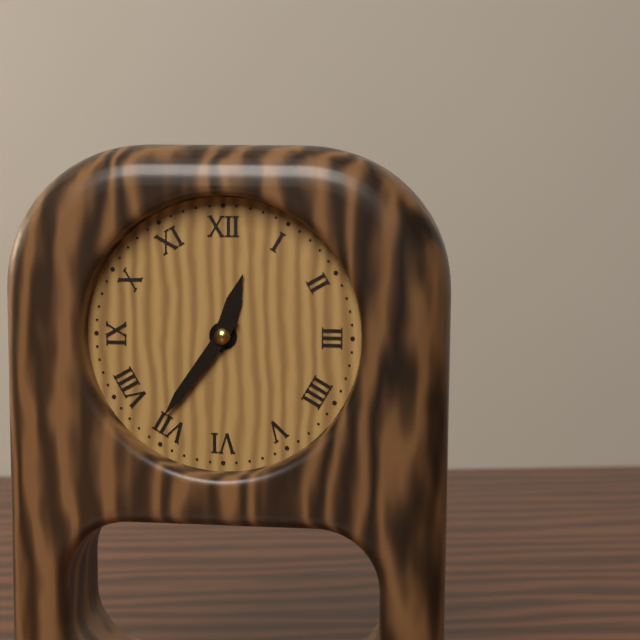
{"hour": 12, "minute": 36}
